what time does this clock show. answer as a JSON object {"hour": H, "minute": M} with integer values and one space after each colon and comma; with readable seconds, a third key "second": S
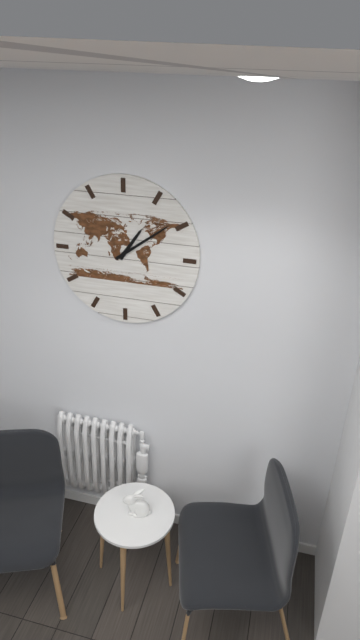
{"hour": 1, "minute": 9}
